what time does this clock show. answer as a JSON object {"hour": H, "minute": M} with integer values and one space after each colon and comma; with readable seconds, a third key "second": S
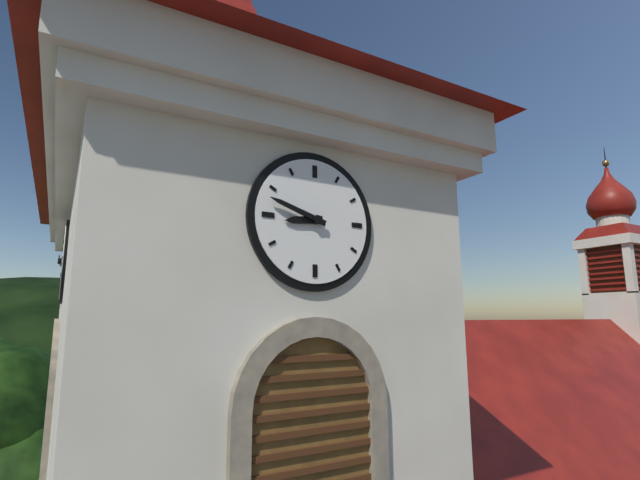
{"hour": 8, "minute": 48}
